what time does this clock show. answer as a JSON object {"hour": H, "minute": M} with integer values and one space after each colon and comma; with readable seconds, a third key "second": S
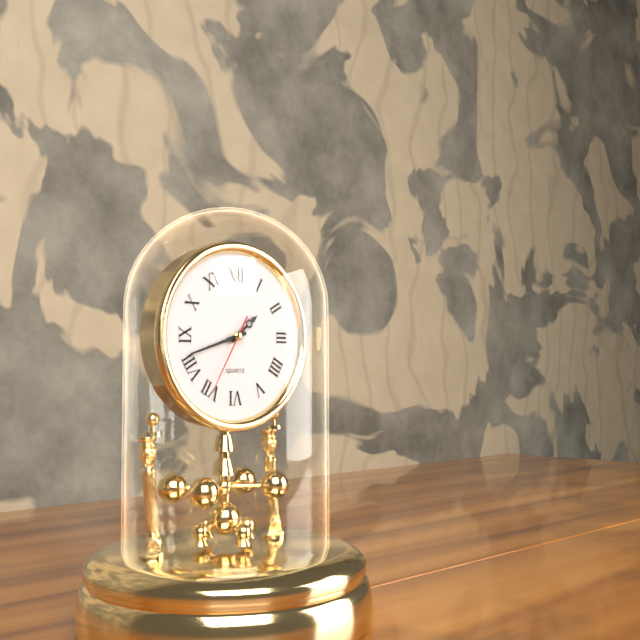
{"hour": 1, "minute": 42, "second": 35}
